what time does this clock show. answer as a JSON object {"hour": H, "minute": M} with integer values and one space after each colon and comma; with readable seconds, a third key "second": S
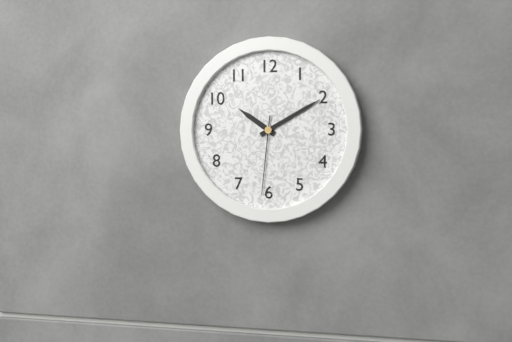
{"hour": 10, "minute": 10, "second": 31}
